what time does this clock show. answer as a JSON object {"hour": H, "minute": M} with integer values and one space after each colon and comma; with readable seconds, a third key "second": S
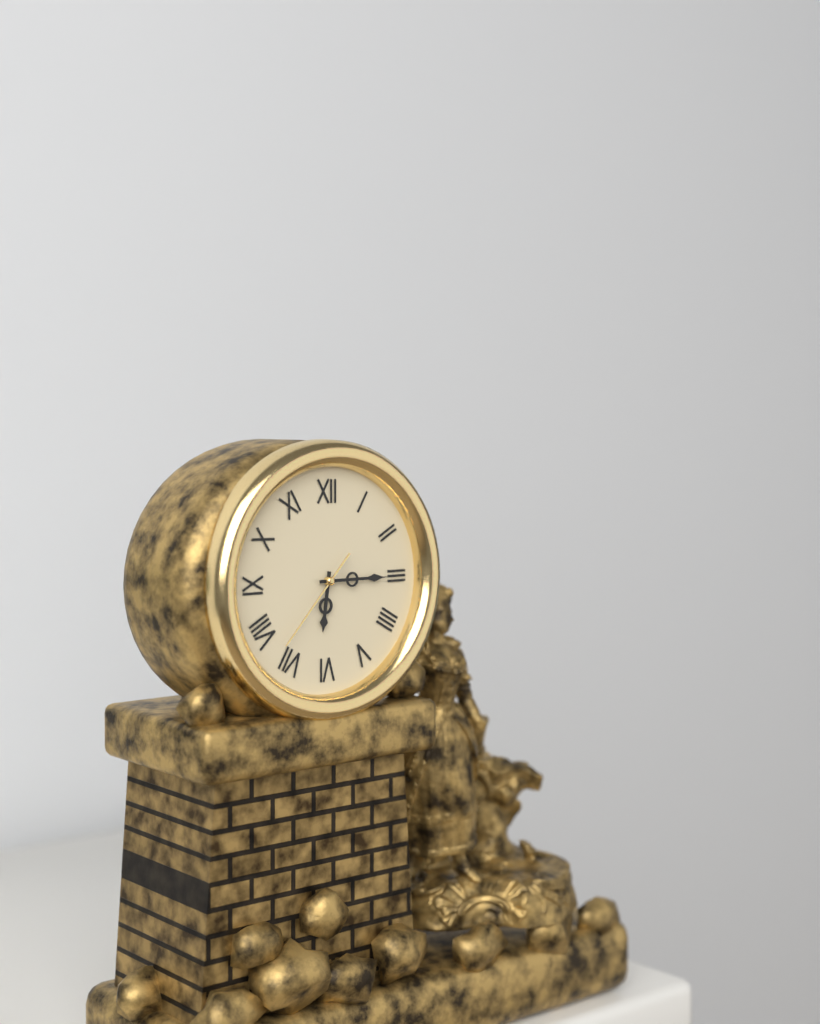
{"hour": 6, "minute": 15, "second": 37}
